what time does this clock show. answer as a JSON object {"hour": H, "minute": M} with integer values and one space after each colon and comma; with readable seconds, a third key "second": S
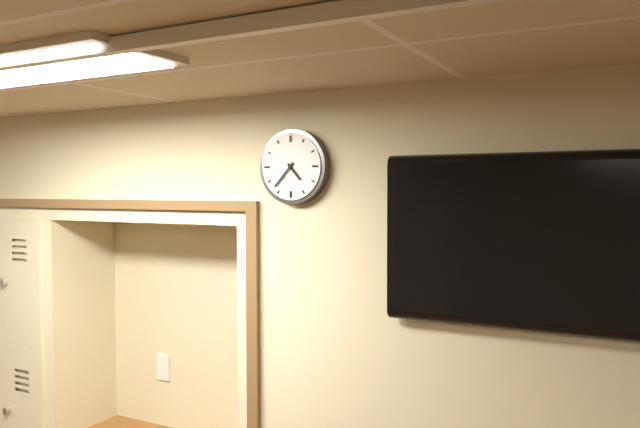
{"hour": 4, "minute": 37}
